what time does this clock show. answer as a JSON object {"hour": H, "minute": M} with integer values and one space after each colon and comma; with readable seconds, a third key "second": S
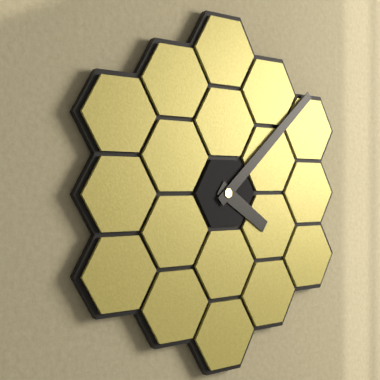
{"hour": 4, "minute": 8}
